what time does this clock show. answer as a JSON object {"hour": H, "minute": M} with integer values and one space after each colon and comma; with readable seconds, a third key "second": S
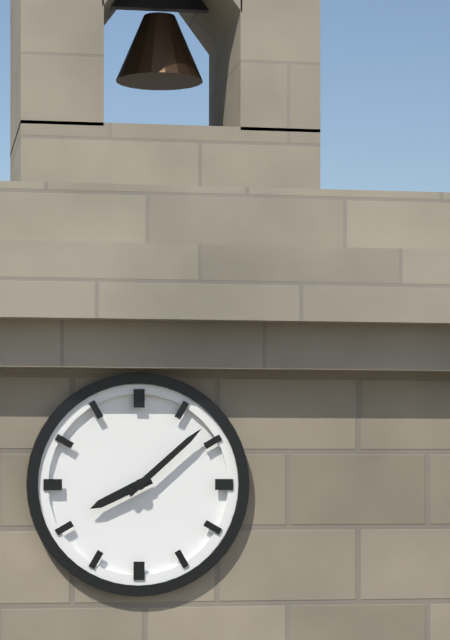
{"hour": 8, "minute": 8}
